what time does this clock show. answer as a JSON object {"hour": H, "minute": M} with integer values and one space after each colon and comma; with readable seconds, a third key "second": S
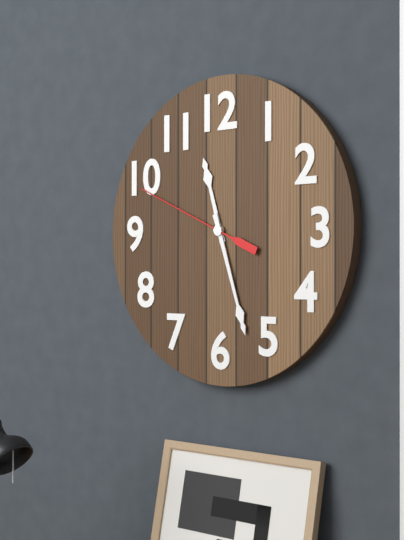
{"hour": 11, "minute": 27, "second": 49}
